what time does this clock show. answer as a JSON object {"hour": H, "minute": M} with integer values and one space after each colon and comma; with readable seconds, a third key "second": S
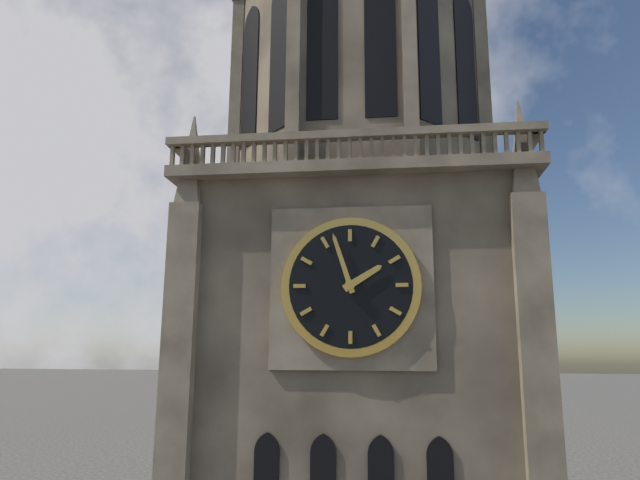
{"hour": 1, "minute": 57}
